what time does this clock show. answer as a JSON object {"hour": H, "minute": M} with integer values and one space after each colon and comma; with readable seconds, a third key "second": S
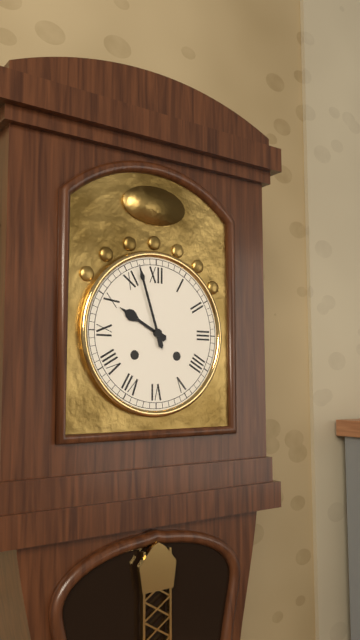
{"hour": 9, "minute": 57}
